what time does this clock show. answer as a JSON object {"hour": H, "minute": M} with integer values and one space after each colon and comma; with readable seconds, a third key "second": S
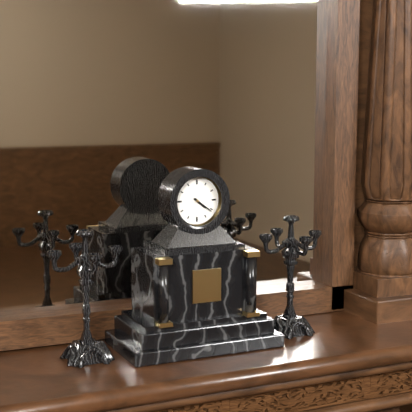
{"hour": 4, "minute": 21}
